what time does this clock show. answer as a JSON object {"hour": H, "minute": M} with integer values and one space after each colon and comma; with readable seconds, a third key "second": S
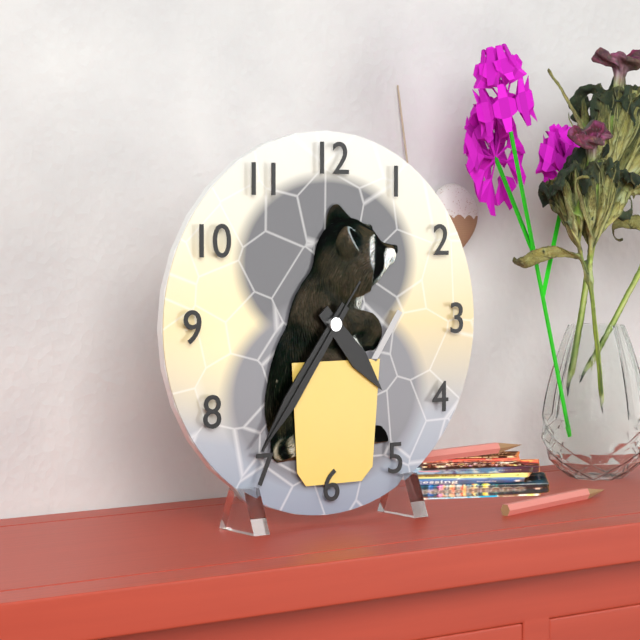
{"hour": 4, "minute": 36, "second": 36}
